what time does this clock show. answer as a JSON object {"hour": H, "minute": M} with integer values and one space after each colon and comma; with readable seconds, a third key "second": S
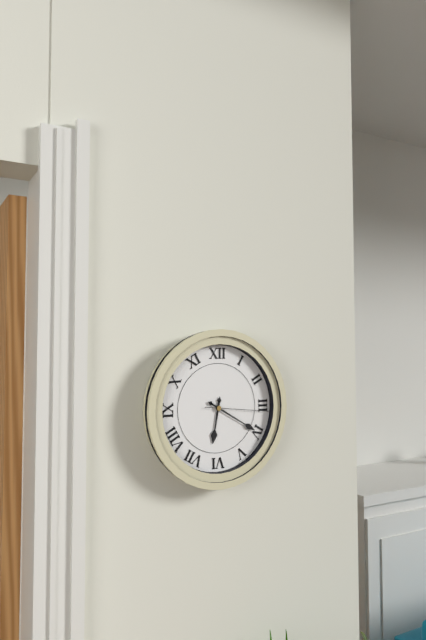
{"hour": 6, "minute": 20, "second": 16}
